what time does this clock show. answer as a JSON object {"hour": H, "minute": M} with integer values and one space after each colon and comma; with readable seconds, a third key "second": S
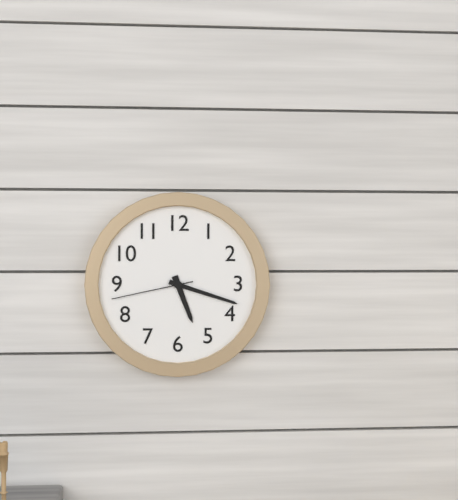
{"hour": 5, "minute": 18, "second": 43}
